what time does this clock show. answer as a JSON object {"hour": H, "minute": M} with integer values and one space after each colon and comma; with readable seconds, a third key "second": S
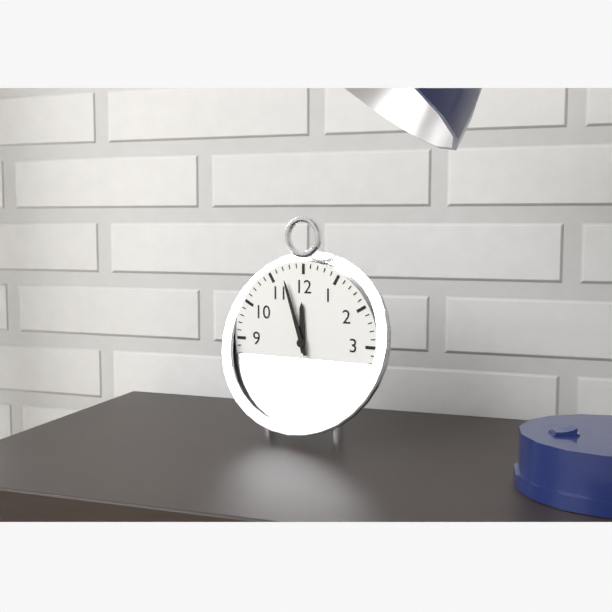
{"hour": 11, "minute": 57}
